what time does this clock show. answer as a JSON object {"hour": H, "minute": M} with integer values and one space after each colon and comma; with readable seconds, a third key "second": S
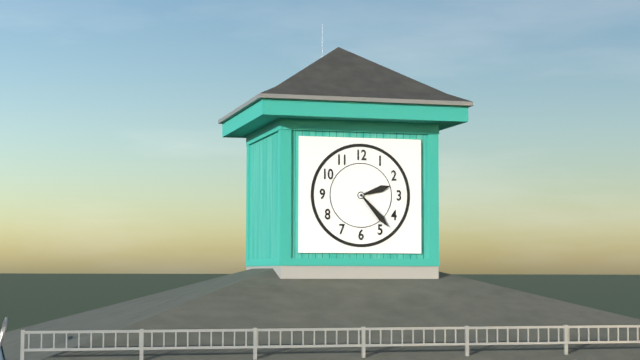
{"hour": 2, "minute": 23}
